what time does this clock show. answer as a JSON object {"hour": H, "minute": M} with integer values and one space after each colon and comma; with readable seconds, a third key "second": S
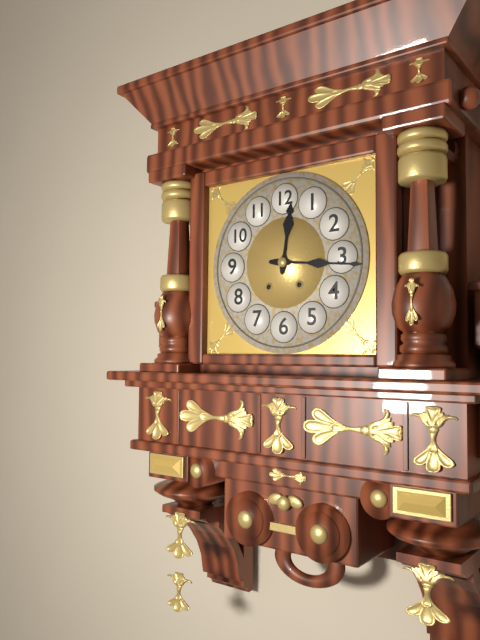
{"hour": 12, "minute": 16}
